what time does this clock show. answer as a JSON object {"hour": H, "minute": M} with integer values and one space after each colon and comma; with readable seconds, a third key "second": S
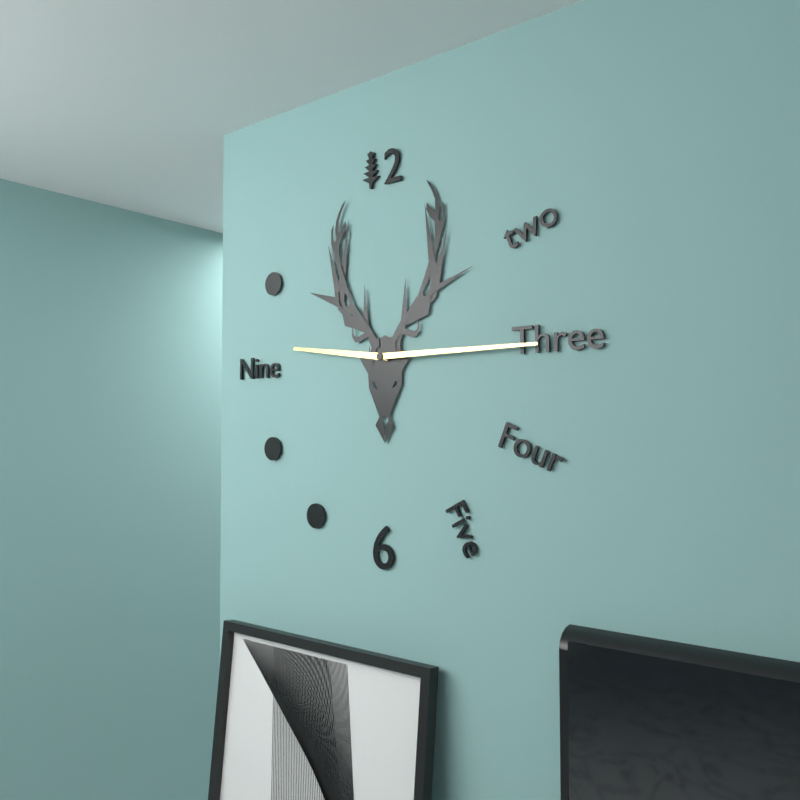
{"hour": 9, "minute": 15}
